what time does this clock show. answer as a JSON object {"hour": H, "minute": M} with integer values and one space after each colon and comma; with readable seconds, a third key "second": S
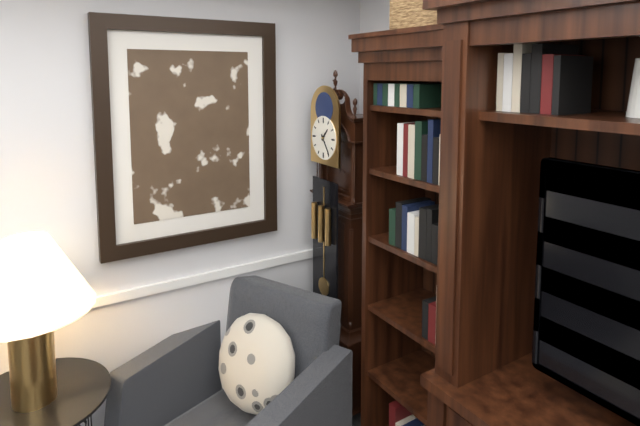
{"hour": 1, "minute": 24}
